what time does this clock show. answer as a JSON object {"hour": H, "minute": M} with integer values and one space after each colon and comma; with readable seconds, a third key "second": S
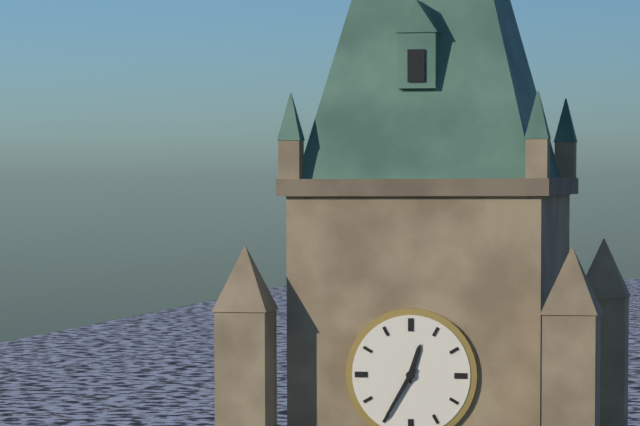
{"hour": 12, "minute": 35}
